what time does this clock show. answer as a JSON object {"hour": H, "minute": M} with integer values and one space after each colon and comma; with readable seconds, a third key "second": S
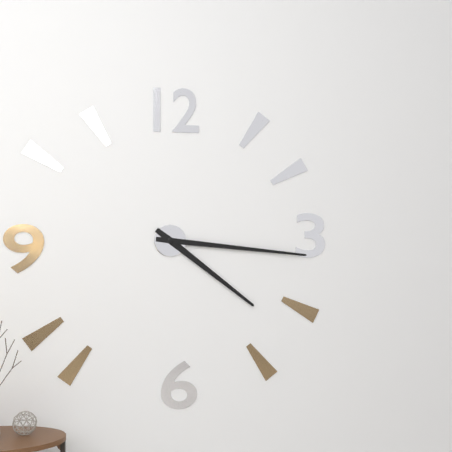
{"hour": 4, "minute": 16}
